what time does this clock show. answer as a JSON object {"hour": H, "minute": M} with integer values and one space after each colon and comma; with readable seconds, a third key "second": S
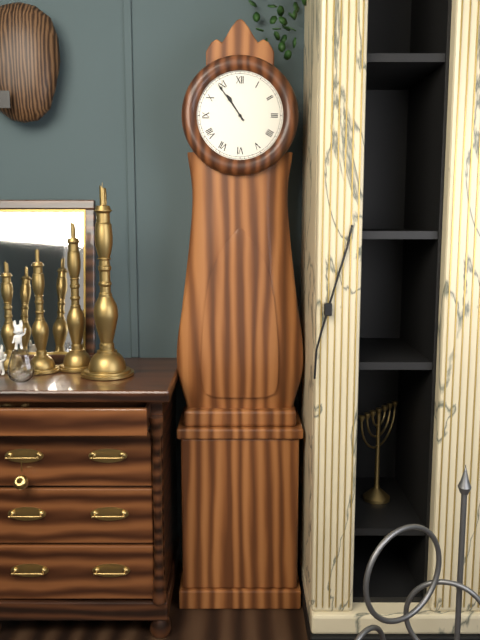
{"hour": 10, "minute": 54}
